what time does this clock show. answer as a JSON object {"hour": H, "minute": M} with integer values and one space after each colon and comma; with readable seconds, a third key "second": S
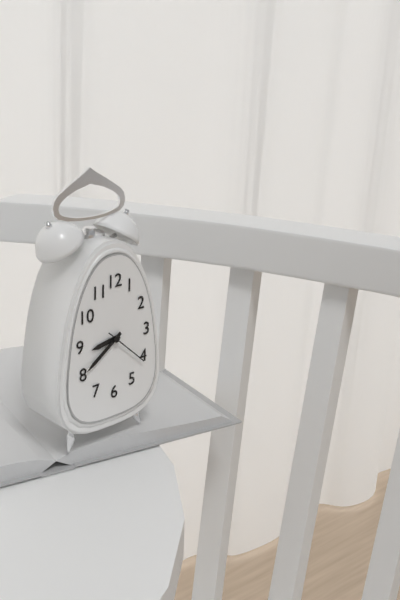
{"hour": 8, "minute": 39}
